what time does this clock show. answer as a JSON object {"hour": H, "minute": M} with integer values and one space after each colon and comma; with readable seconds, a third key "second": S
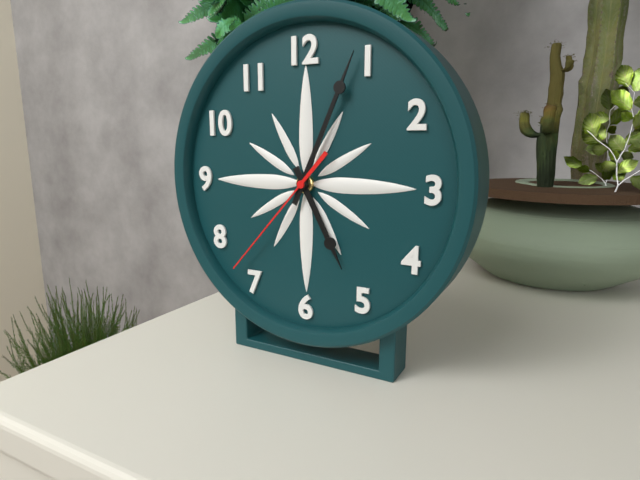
{"hour": 5, "minute": 4, "second": 37}
